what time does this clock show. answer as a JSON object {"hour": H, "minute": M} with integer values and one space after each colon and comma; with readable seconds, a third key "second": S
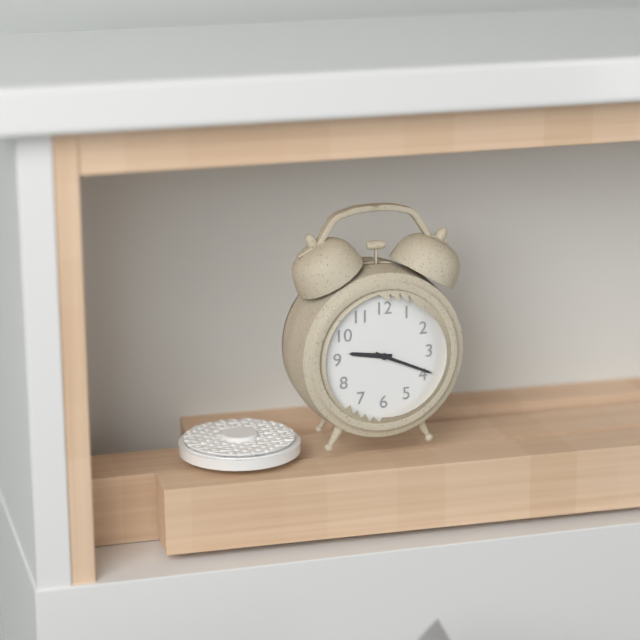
{"hour": 9, "minute": 19}
